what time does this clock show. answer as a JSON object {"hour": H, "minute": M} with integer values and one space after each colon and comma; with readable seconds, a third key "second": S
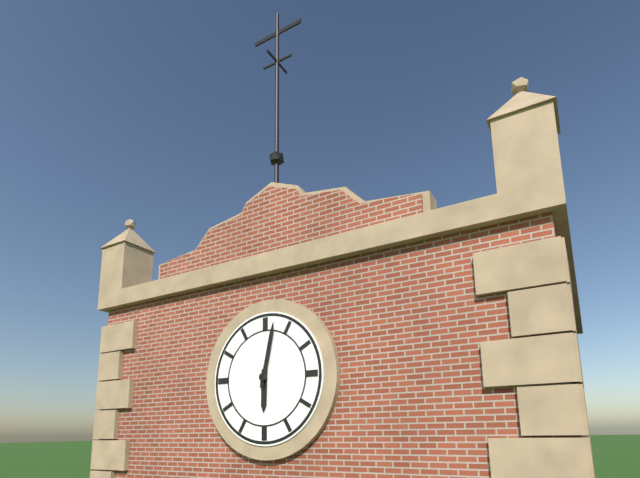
{"hour": 6, "minute": 2}
